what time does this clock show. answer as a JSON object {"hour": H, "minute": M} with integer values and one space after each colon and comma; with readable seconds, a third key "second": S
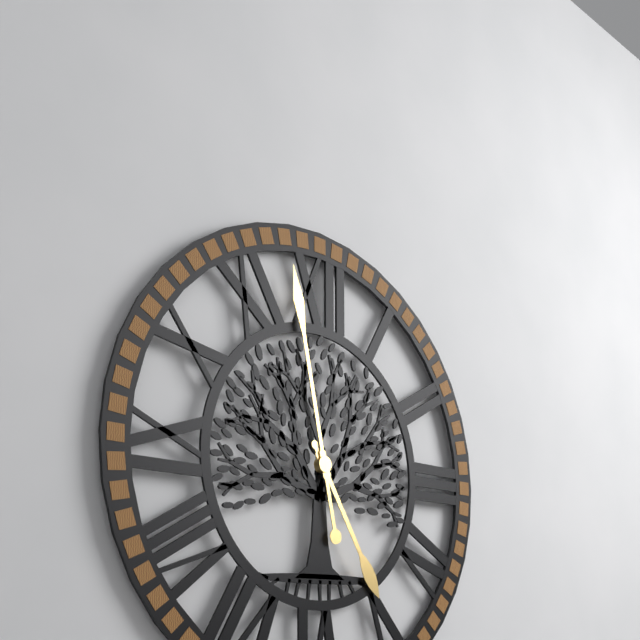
{"hour": 4, "minute": 58}
